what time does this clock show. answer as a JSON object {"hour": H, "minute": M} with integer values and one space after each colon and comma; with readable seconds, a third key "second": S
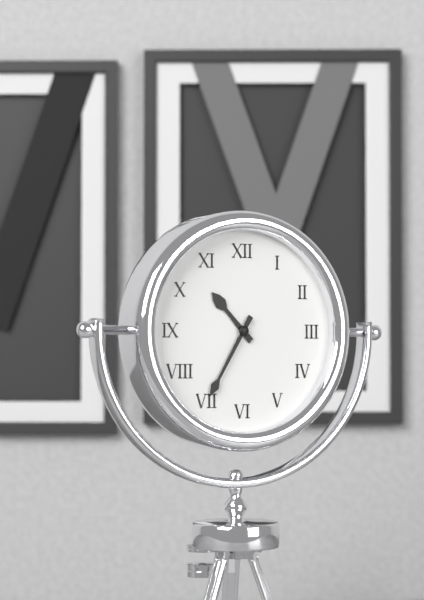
{"hour": 10, "minute": 35}
